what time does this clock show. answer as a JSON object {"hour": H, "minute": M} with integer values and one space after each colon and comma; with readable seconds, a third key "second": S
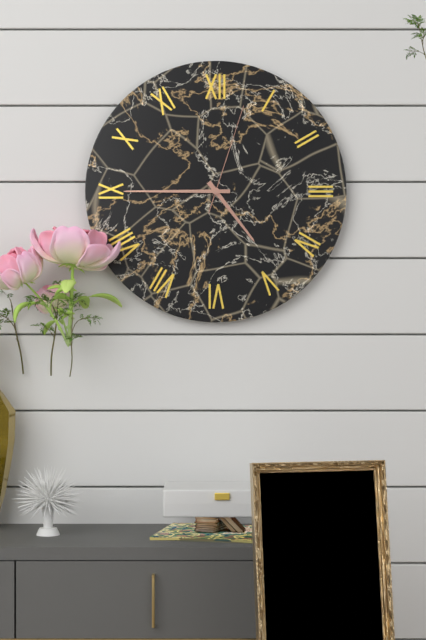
{"hour": 4, "minute": 45, "second": 3}
